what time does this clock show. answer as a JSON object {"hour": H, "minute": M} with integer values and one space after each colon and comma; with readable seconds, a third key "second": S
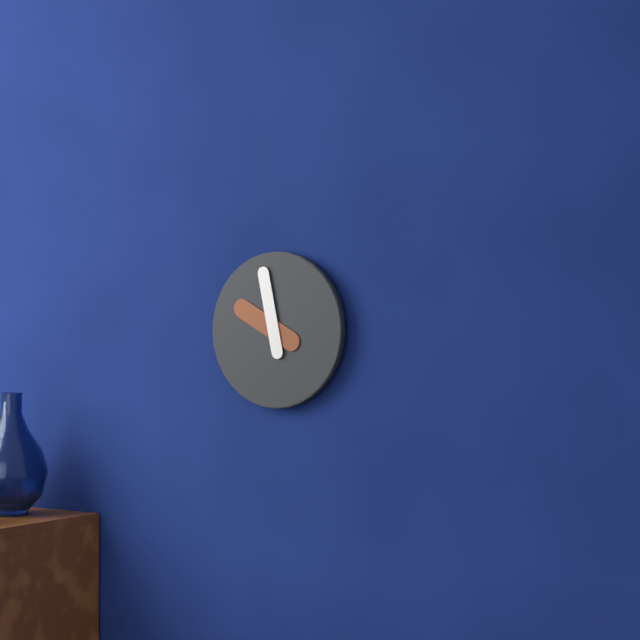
{"hour": 9, "minute": 58}
